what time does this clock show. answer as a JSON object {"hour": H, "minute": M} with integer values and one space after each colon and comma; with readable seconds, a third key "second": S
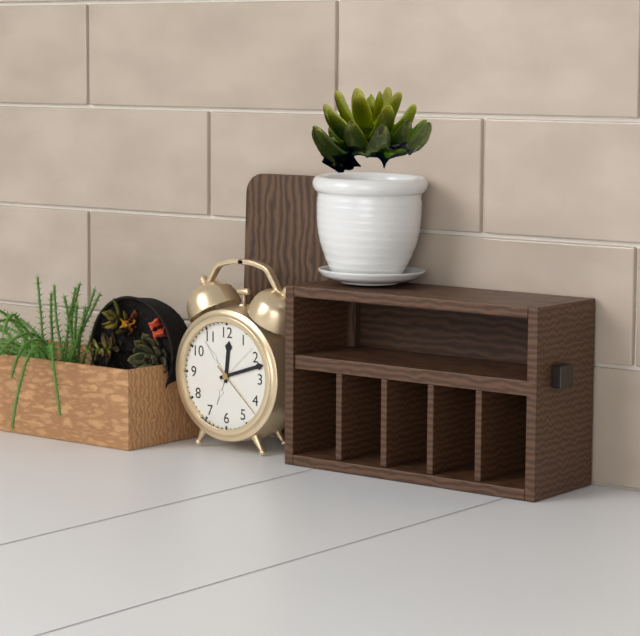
{"hour": 12, "minute": 12, "second": 22}
